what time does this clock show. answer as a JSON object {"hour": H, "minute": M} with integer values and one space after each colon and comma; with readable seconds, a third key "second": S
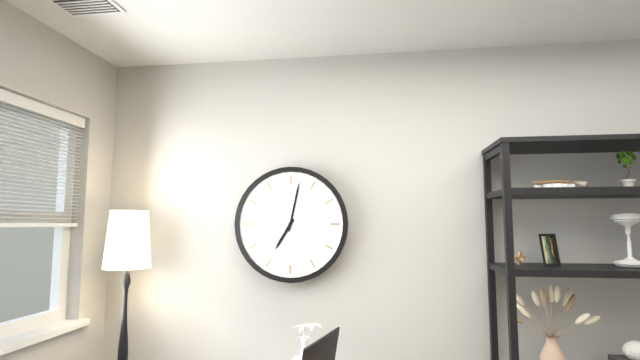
{"hour": 7, "minute": 2}
